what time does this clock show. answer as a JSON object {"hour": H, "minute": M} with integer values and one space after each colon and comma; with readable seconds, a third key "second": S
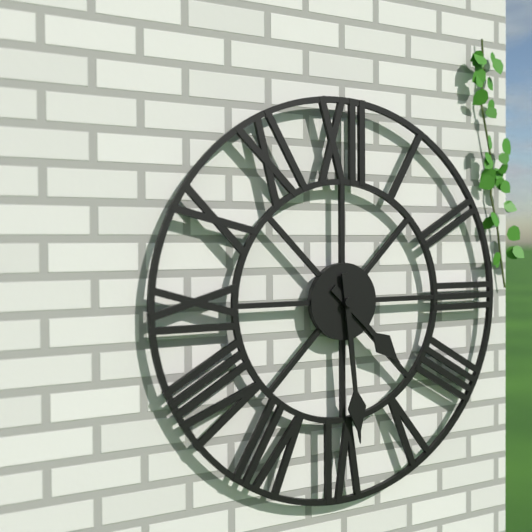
{"hour": 4, "minute": 29}
